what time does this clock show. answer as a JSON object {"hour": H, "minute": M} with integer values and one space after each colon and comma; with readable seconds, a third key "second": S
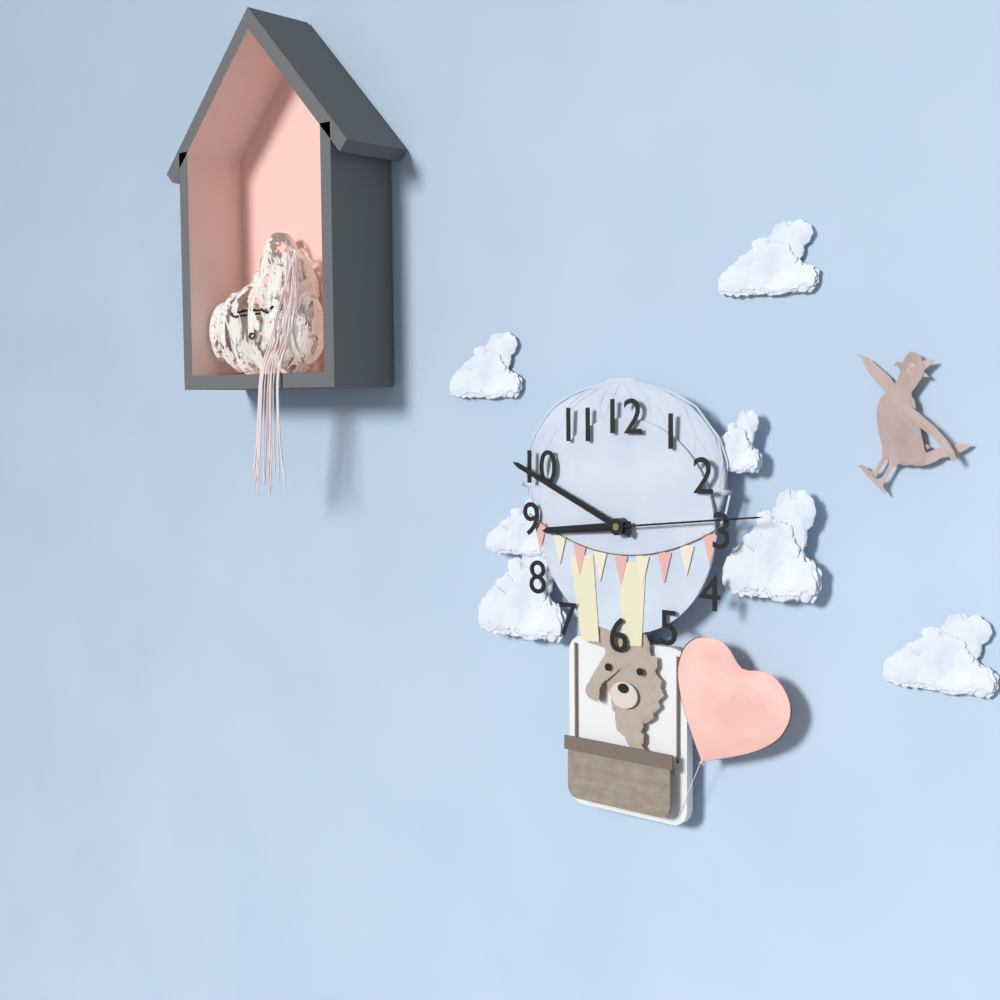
{"hour": 8, "minute": 49, "second": 14}
